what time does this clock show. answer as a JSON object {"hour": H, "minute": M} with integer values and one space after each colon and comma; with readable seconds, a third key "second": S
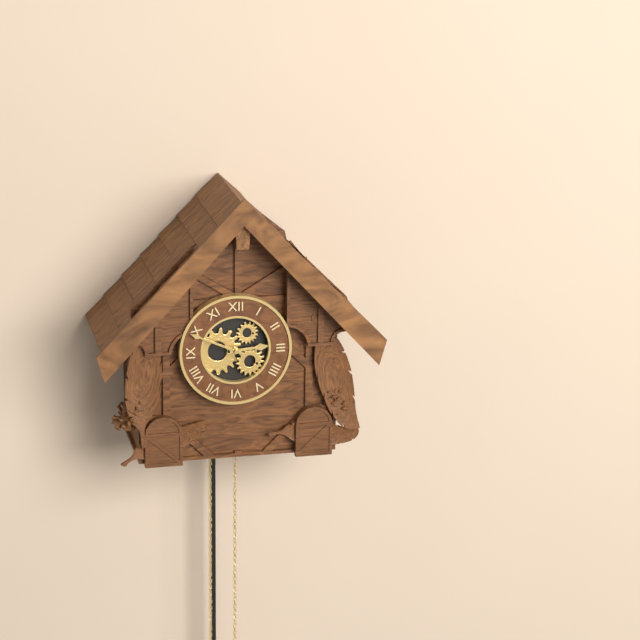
{"hour": 2, "minute": 49}
